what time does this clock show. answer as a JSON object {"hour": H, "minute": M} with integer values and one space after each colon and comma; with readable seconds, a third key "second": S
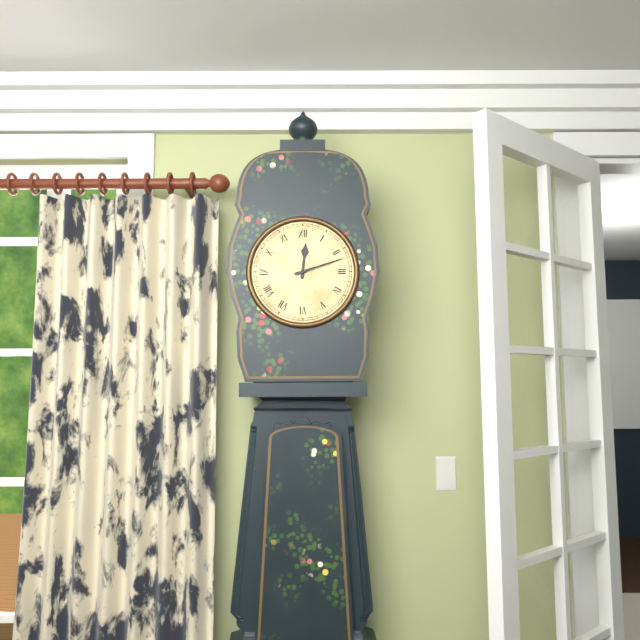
{"hour": 12, "minute": 12}
